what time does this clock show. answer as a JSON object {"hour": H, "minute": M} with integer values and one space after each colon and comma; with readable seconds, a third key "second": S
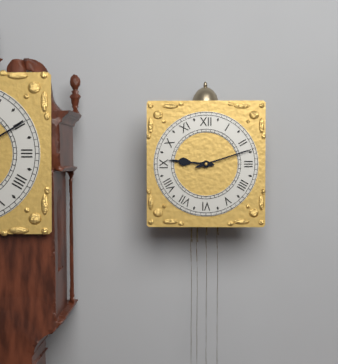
{"hour": 9, "minute": 12}
